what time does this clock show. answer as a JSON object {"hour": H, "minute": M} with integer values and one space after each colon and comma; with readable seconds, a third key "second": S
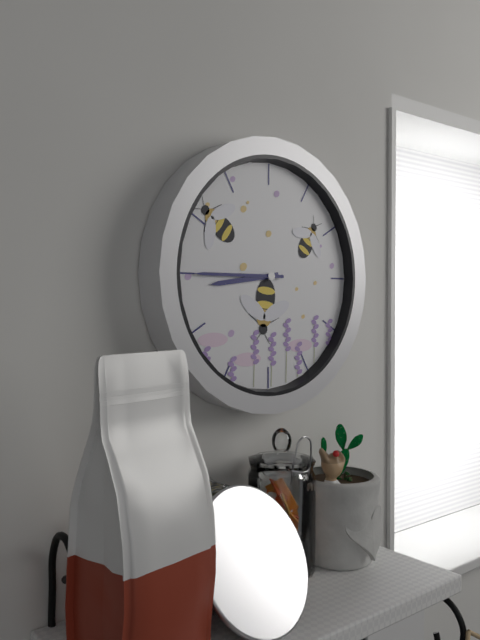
{"hour": 8, "minute": 45}
